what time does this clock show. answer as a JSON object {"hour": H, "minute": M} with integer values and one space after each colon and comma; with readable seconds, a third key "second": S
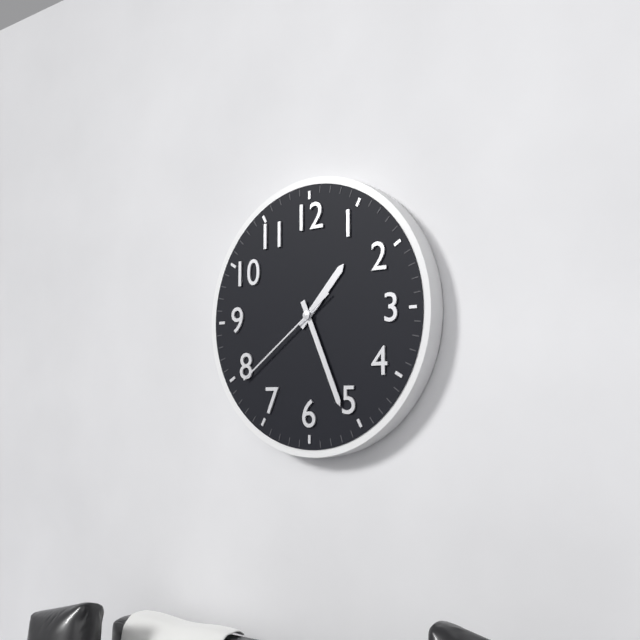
{"hour": 1, "minute": 26, "second": 39}
